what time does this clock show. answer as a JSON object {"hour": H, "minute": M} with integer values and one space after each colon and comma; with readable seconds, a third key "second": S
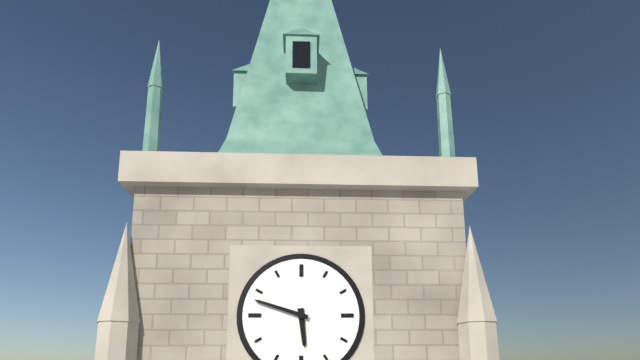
{"hour": 5, "minute": 48}
